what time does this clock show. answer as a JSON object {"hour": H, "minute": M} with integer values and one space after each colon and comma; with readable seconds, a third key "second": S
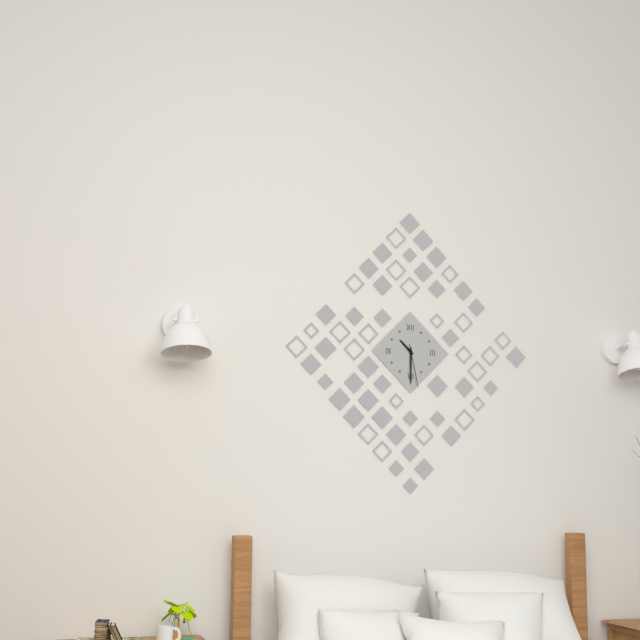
{"hour": 10, "minute": 30}
